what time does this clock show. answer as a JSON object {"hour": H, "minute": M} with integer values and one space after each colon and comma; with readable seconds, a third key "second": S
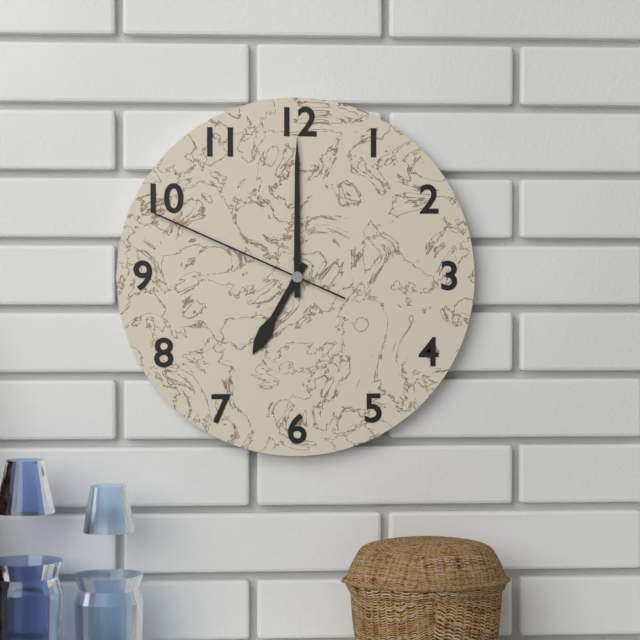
{"hour": 7, "minute": 0, "second": 49}
